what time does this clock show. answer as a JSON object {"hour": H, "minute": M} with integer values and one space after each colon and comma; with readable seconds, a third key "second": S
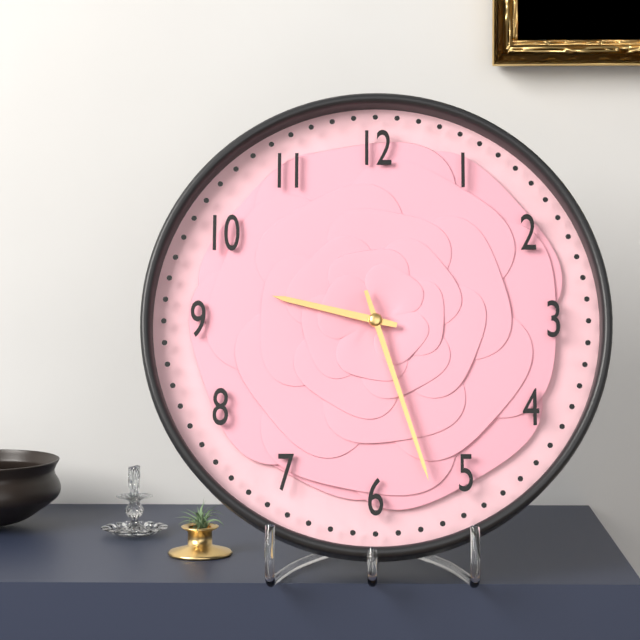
{"hour": 9, "minute": 27}
